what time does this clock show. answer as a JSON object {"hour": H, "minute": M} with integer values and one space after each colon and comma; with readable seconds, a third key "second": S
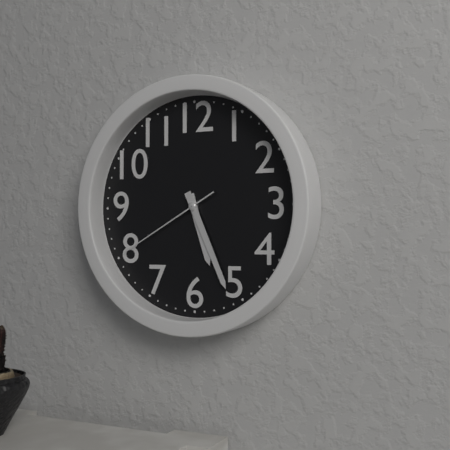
{"hour": 5, "minute": 26, "second": 40}
